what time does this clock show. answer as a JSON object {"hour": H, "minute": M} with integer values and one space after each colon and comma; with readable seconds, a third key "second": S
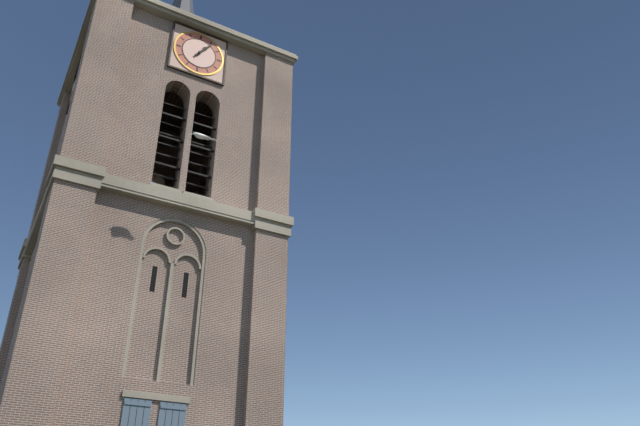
{"hour": 1, "minute": 6}
